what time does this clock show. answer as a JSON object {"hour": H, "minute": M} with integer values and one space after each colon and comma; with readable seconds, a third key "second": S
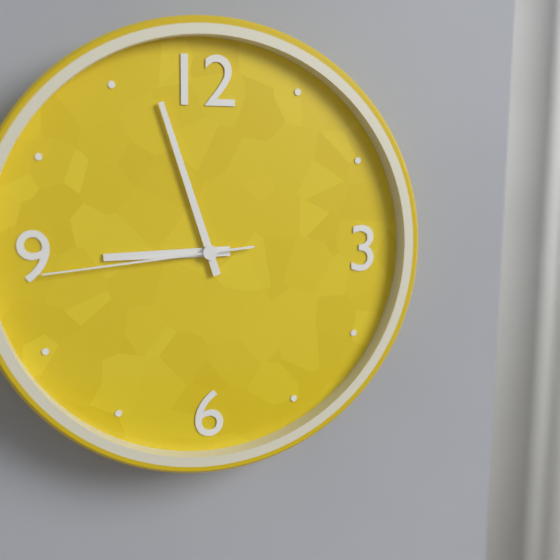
{"hour": 8, "minute": 57, "second": 44}
